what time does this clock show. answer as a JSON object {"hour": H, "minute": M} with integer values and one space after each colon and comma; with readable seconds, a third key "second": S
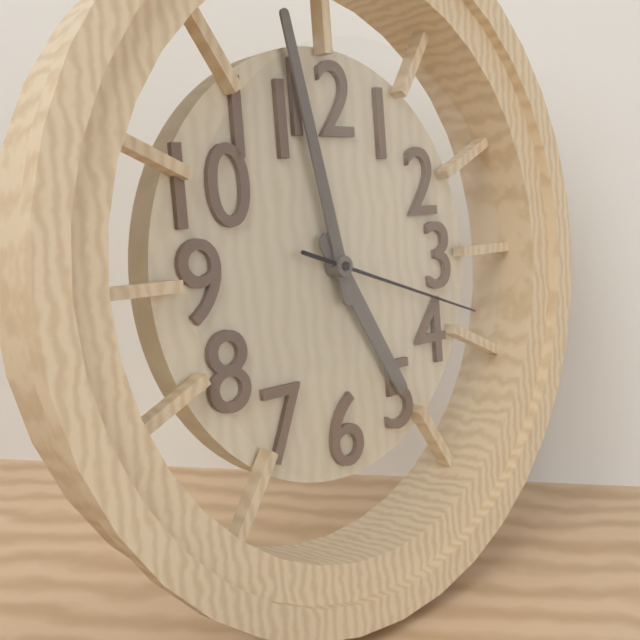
{"hour": 4, "minute": 58, "second": 18}
